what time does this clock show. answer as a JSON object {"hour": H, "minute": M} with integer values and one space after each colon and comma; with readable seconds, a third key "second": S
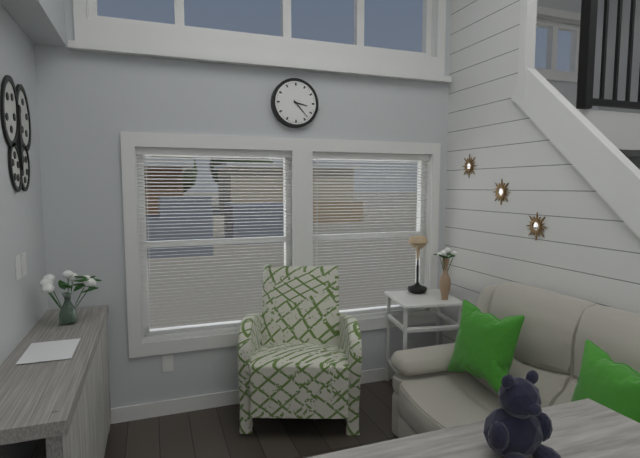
{"hour": 3, "minute": 23}
